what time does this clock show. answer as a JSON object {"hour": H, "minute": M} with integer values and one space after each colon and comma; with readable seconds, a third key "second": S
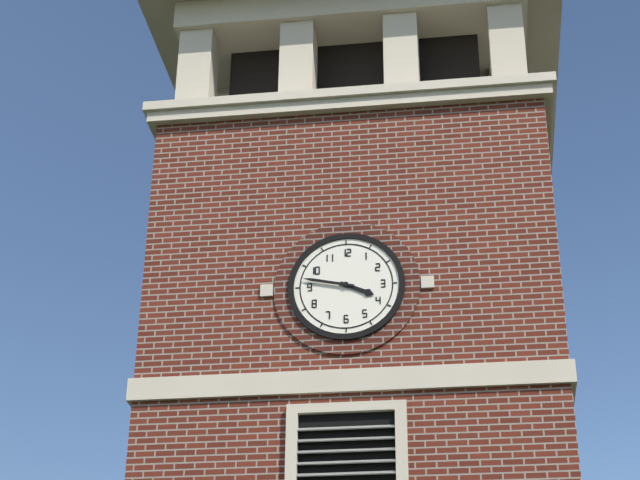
{"hour": 3, "minute": 47}
